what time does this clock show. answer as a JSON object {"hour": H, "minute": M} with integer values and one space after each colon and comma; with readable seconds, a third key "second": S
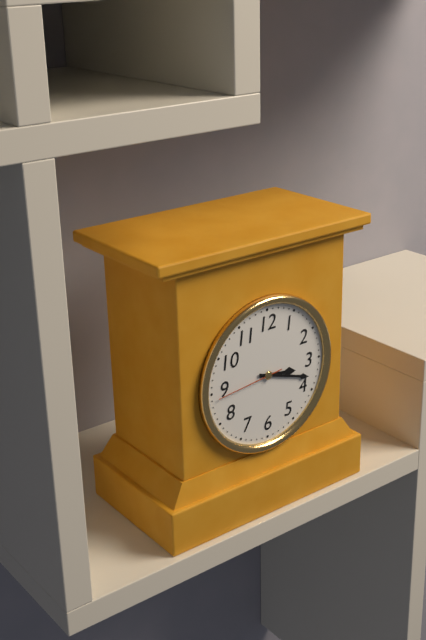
{"hour": 3, "minute": 18, "second": 44}
